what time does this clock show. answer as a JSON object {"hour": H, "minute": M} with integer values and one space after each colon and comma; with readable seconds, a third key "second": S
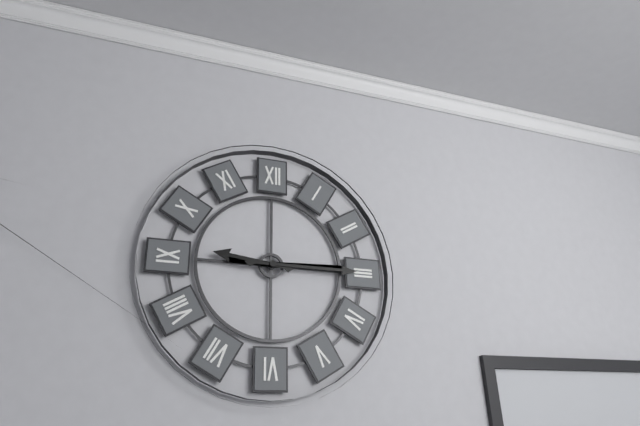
{"hour": 9, "minute": 15}
